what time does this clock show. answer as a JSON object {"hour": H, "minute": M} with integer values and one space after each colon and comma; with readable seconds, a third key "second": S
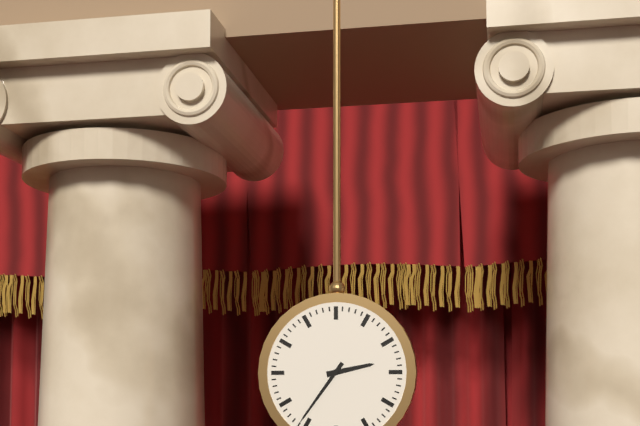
{"hour": 2, "minute": 36}
